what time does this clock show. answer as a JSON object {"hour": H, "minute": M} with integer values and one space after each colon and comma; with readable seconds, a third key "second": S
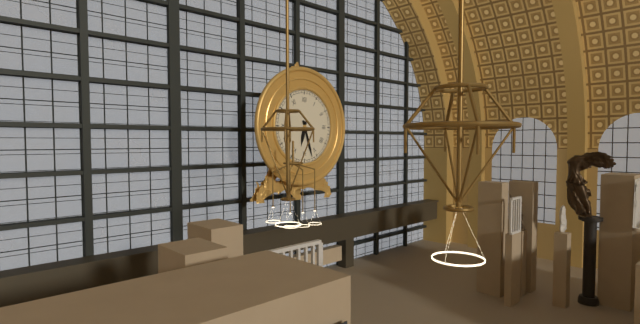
{"hour": 6, "minute": 27}
